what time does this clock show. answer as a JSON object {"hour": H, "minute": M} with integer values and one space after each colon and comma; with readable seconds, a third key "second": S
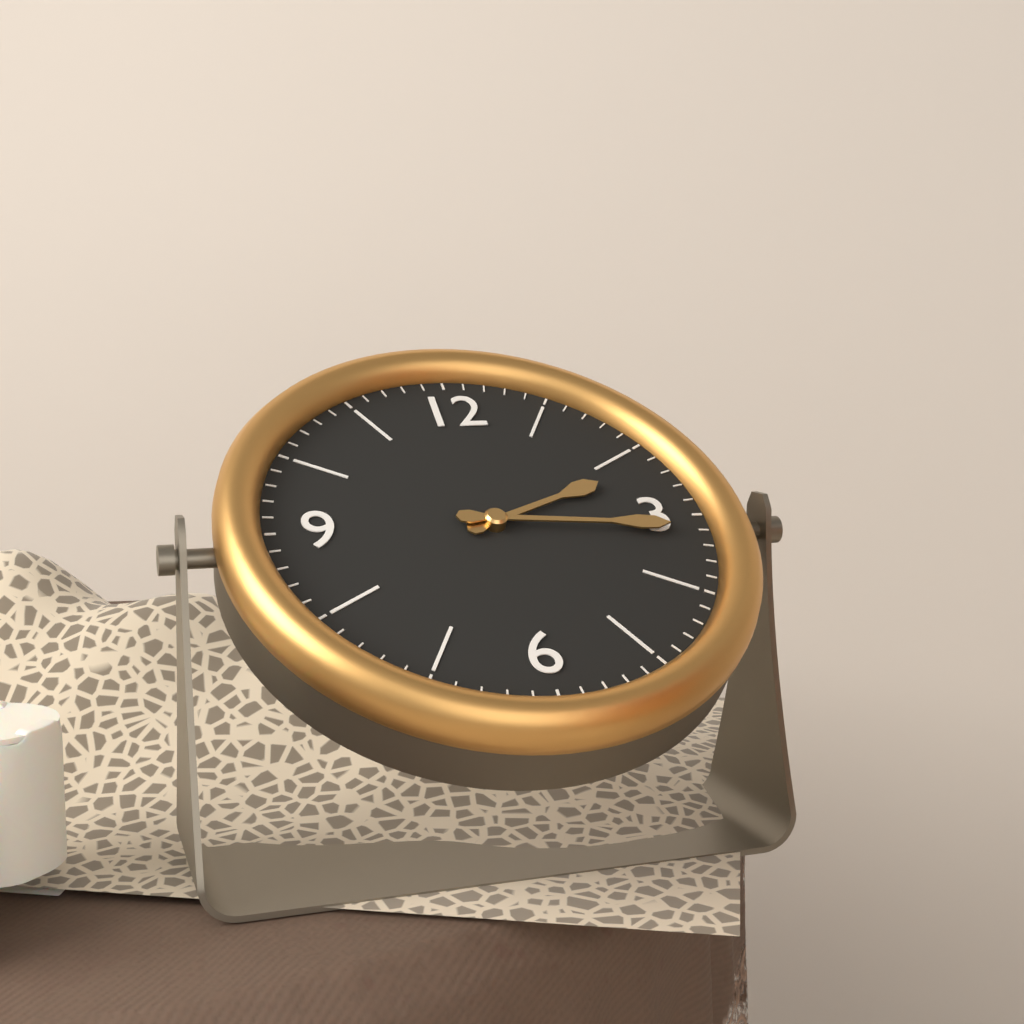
{"hour": 2, "minute": 16}
